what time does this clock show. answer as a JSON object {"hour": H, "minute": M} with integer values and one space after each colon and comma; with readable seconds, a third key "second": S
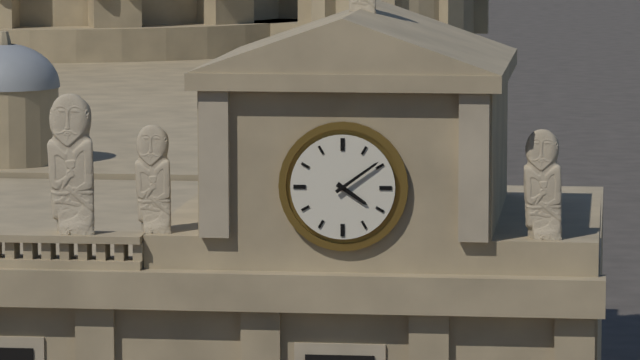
{"hour": 4, "minute": 9}
